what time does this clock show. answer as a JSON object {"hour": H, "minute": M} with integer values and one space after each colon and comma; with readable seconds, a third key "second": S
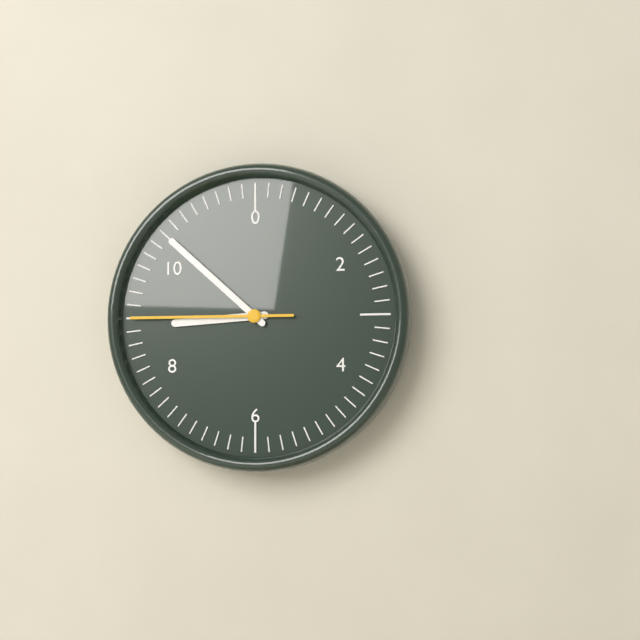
{"hour": 8, "minute": 52, "second": 45}
